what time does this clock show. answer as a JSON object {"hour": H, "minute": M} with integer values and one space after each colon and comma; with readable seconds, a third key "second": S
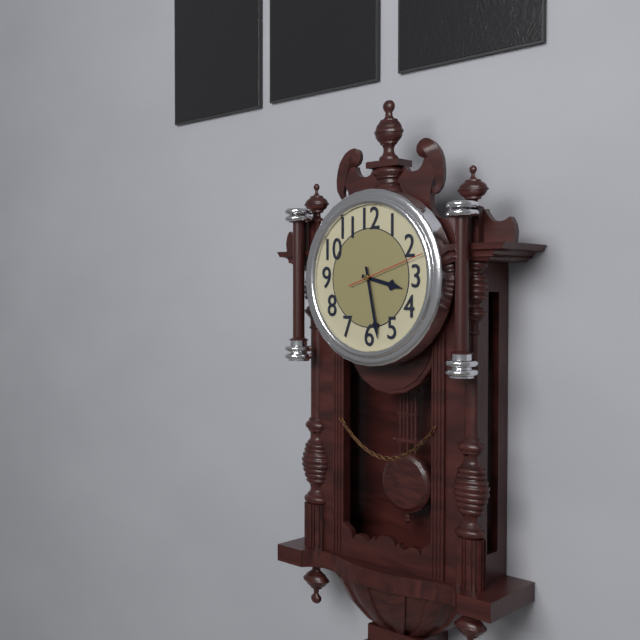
{"hour": 3, "minute": 28, "second": 12}
